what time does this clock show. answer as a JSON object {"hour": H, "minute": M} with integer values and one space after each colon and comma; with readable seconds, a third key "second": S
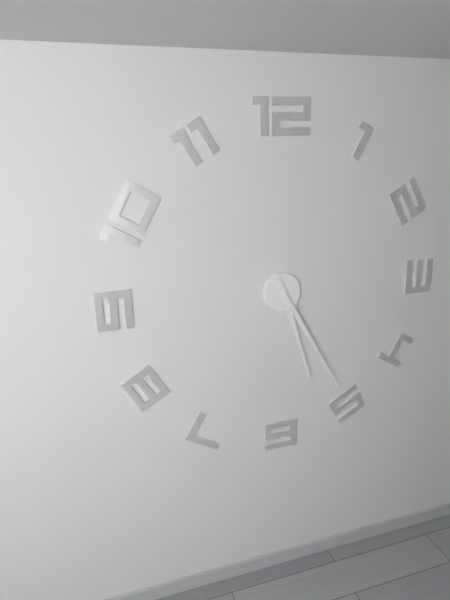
{"hour": 5, "minute": 25}
